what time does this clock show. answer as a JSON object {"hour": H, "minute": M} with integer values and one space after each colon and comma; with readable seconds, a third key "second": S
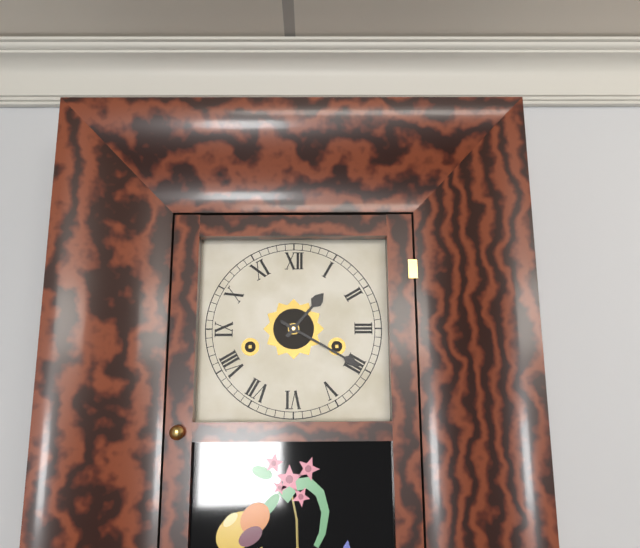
{"hour": 1, "minute": 20}
